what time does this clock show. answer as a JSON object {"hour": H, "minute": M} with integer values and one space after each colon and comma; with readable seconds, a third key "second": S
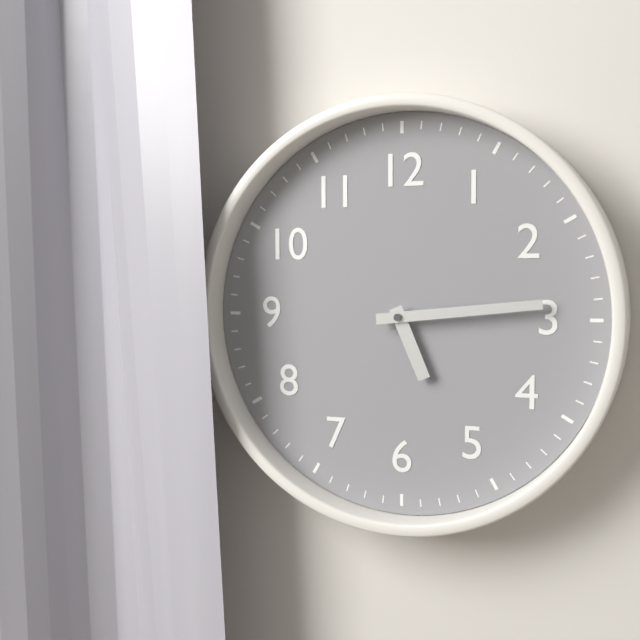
{"hour": 5, "minute": 14}
